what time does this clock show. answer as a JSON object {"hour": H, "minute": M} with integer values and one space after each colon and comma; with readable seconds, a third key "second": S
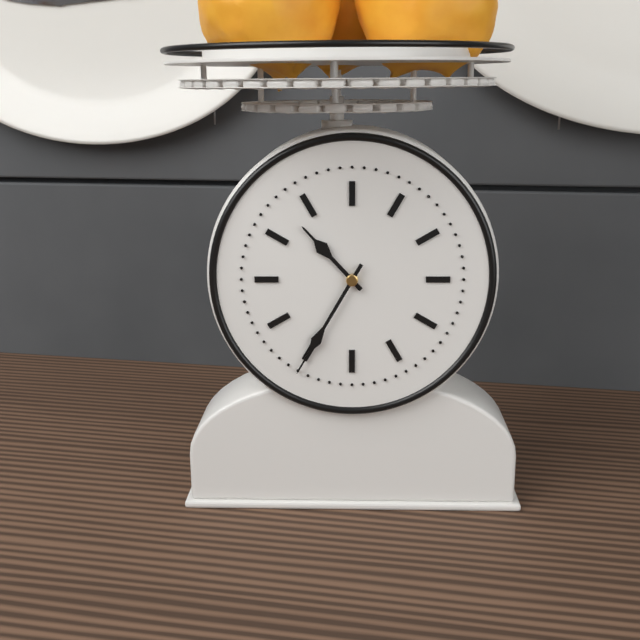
{"hour": 10, "minute": 35}
